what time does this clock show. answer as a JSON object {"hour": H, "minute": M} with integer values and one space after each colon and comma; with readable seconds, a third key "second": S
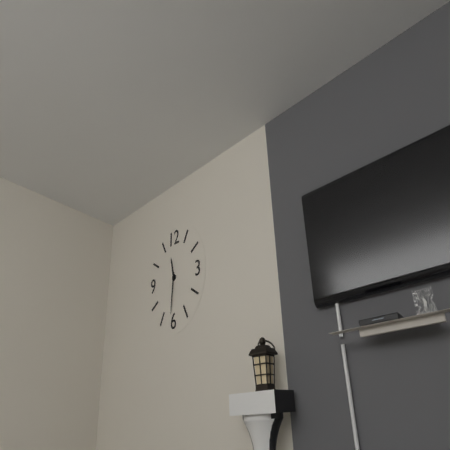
{"hour": 11, "minute": 31}
